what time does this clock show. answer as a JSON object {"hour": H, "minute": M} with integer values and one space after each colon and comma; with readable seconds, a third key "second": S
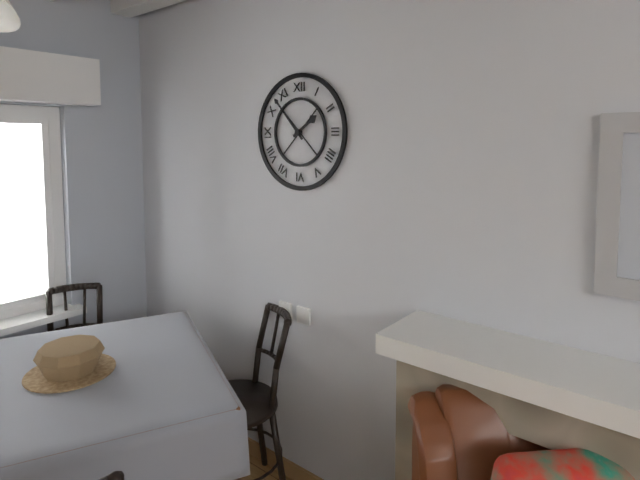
{"hour": 1, "minute": 53}
